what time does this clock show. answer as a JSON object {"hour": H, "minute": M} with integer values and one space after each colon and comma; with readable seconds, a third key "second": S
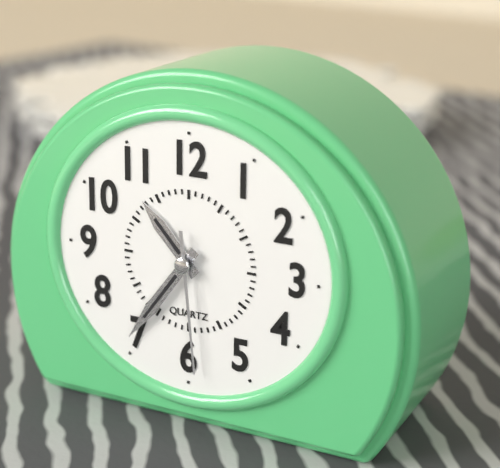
{"hour": 10, "minute": 36, "second": 29}
